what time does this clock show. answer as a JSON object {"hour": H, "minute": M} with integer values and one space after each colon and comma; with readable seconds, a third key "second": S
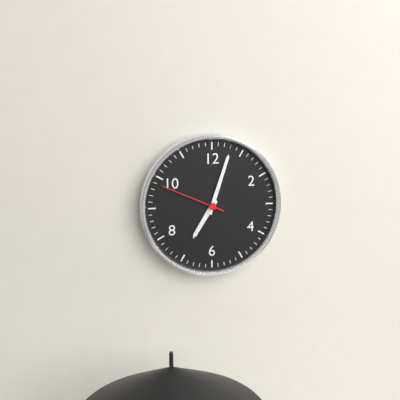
{"hour": 7, "minute": 3, "second": 49}
